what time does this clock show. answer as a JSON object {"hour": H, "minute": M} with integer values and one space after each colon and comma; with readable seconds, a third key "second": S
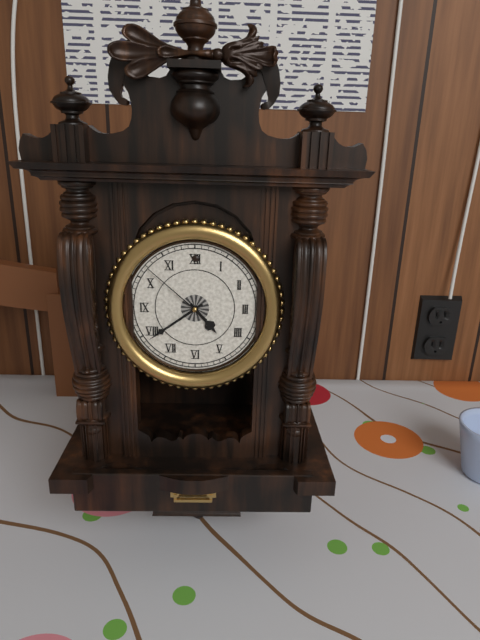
{"hour": 4, "minute": 39, "second": 52}
